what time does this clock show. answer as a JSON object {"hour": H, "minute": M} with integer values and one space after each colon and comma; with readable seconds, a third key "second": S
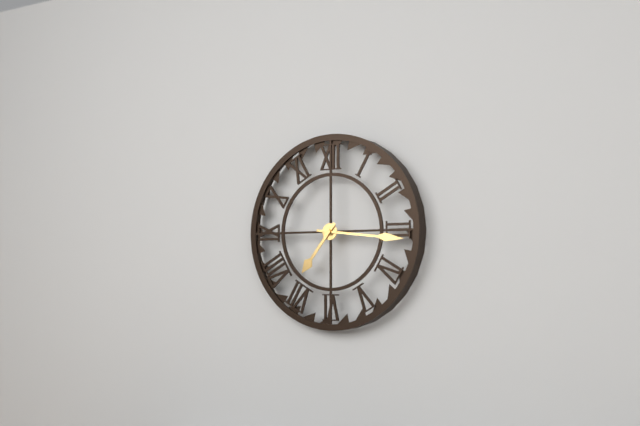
{"hour": 7, "minute": 16}
